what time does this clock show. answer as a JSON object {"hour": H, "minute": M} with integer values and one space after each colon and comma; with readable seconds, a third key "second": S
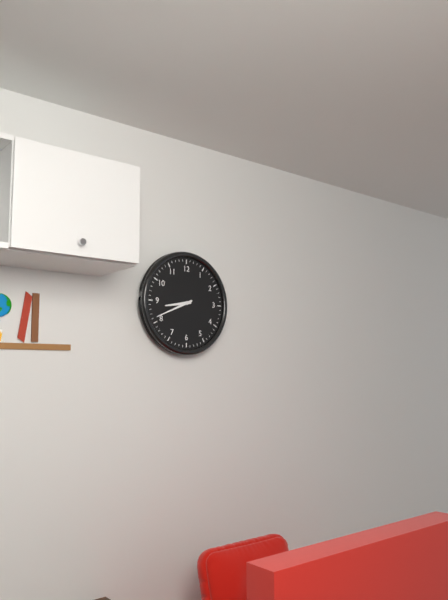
{"hour": 8, "minute": 41}
